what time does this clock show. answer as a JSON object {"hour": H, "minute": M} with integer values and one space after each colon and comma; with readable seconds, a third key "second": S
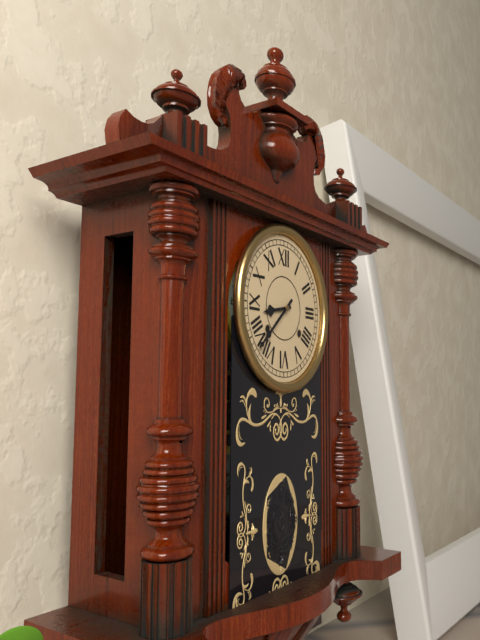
{"hour": 8, "minute": 38}
